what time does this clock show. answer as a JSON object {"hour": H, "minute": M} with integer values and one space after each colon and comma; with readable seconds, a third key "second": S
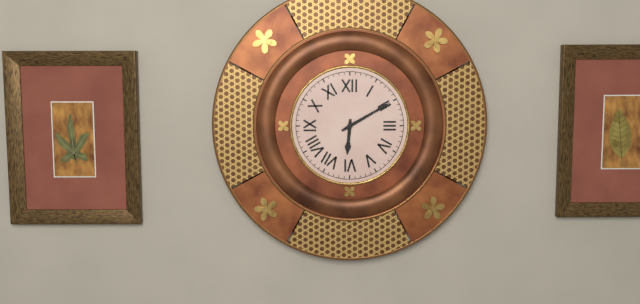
{"hour": 6, "minute": 10}
